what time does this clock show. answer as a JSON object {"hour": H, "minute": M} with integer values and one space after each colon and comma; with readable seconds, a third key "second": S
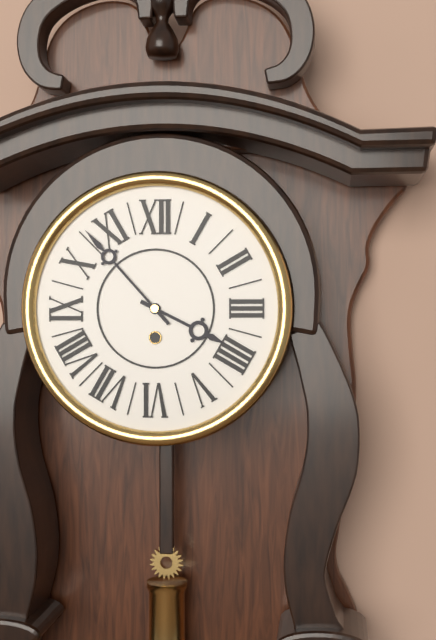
{"hour": 3, "minute": 53}
